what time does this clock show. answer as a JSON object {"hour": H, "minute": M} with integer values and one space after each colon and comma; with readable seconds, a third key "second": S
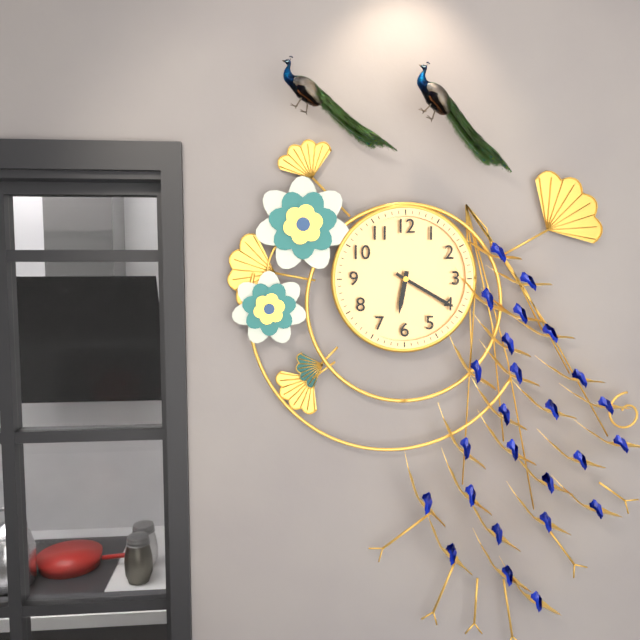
{"hour": 6, "minute": 20}
